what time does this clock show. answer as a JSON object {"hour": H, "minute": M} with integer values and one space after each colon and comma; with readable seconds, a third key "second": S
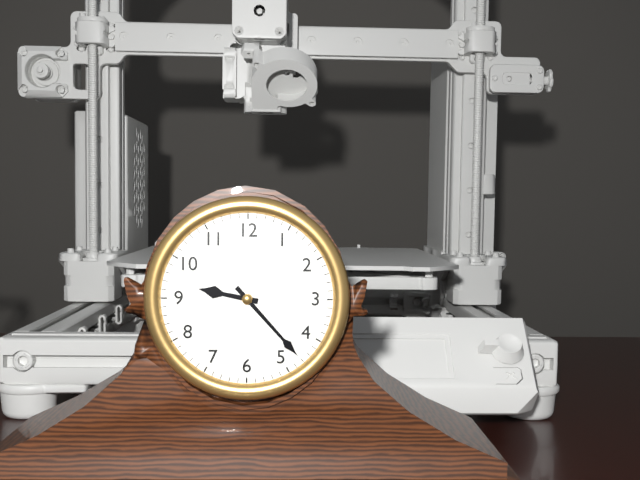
{"hour": 9, "minute": 23}
